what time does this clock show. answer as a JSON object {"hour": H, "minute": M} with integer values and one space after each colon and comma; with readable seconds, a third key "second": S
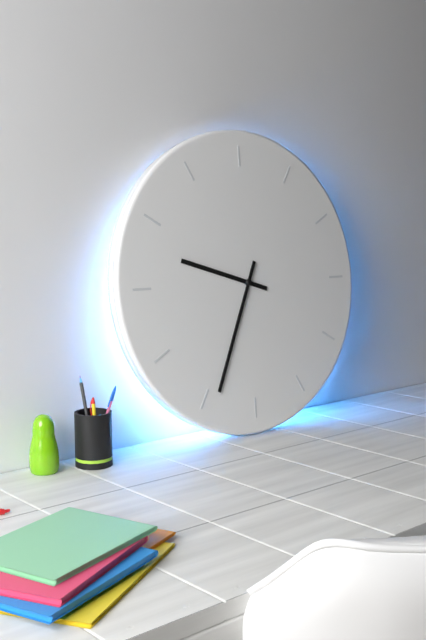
{"hour": 9, "minute": 34}
